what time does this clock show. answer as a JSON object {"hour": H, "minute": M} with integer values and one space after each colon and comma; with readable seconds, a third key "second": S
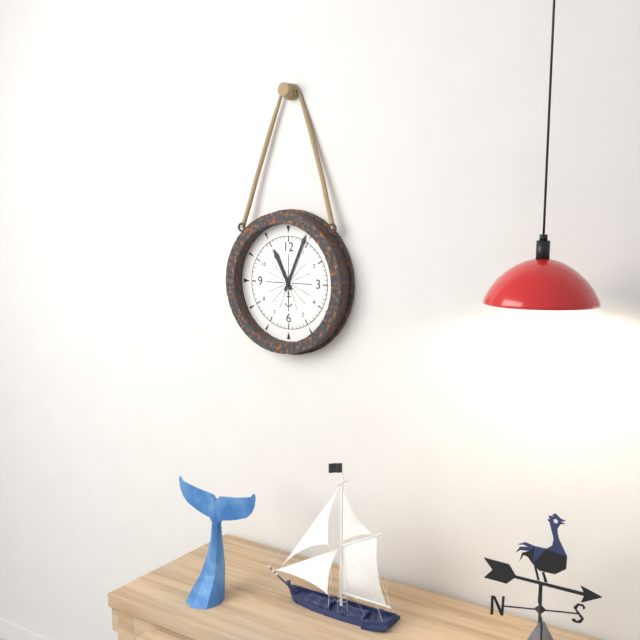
{"hour": 11, "minute": 4}
